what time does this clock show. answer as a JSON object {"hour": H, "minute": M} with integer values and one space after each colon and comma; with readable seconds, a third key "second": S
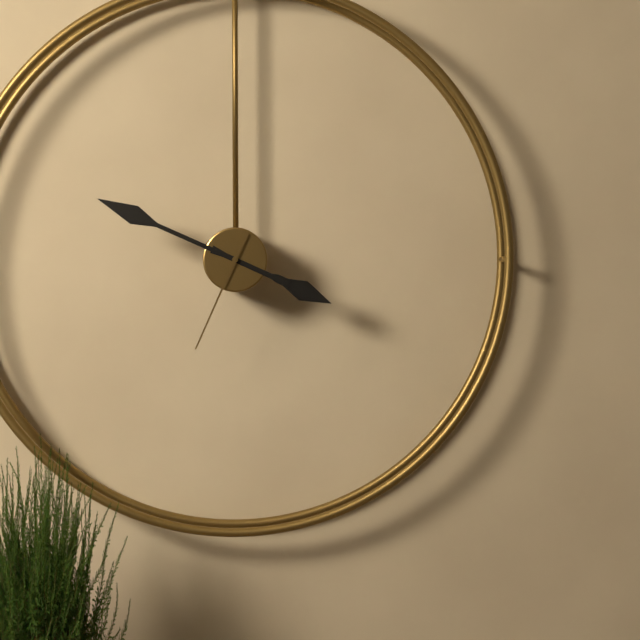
{"hour": 3, "minute": 49, "second": 34}
